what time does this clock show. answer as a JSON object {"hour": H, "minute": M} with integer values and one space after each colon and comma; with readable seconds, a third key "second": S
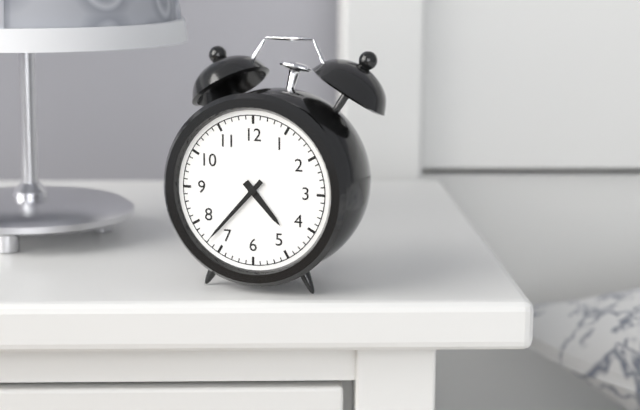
{"hour": 4, "minute": 37}
